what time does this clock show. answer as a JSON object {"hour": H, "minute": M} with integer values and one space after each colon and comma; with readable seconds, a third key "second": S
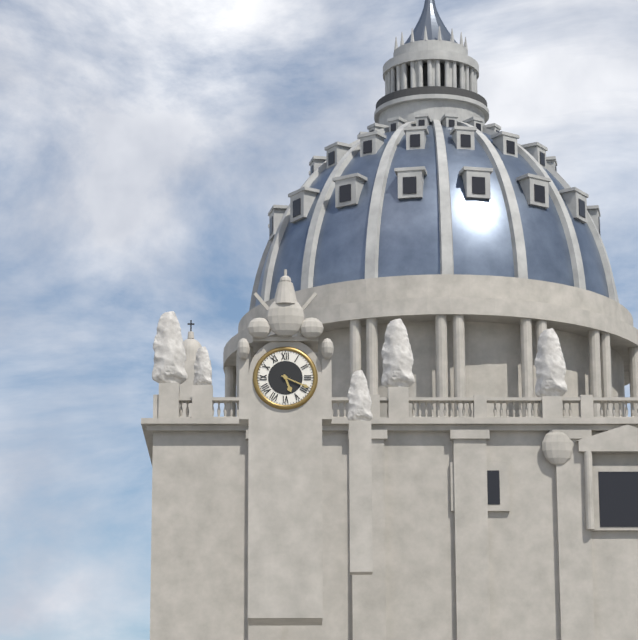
{"hour": 5, "minute": 19}
